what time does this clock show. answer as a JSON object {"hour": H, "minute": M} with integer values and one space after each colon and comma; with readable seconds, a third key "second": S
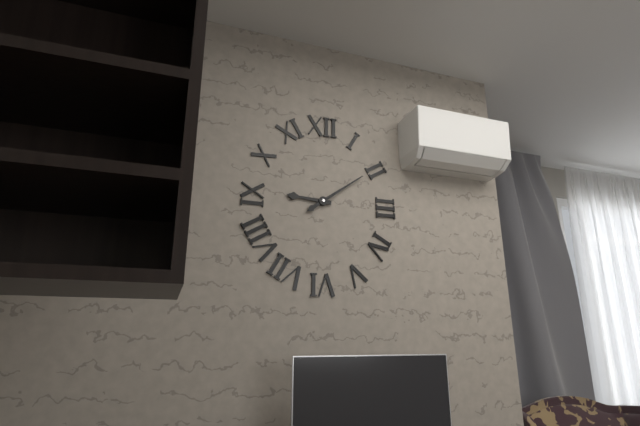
{"hour": 9, "minute": 9}
